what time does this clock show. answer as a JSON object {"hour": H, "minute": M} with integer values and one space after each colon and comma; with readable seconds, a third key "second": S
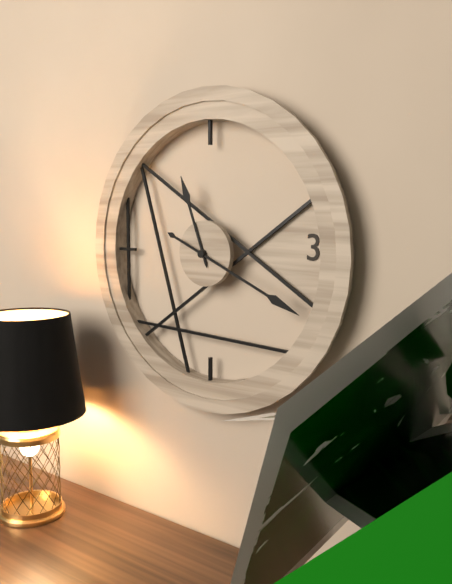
{"hour": 11, "minute": 19}
